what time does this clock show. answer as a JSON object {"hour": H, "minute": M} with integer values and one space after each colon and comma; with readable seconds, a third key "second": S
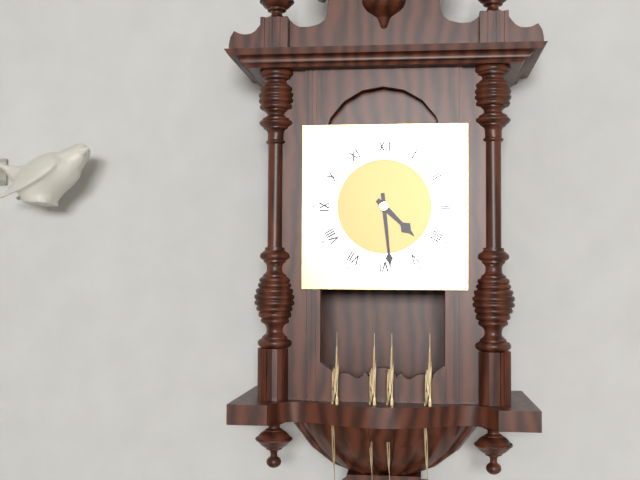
{"hour": 4, "minute": 29}
